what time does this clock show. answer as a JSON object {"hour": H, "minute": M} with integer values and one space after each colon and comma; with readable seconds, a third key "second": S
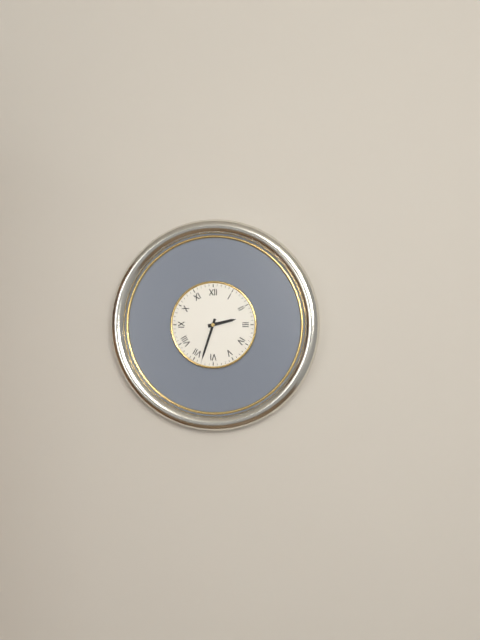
{"hour": 2, "minute": 33}
